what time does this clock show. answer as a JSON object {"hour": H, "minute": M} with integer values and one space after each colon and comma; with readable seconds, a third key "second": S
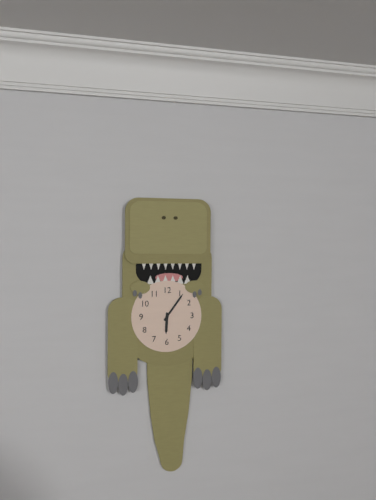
{"hour": 6, "minute": 6}
